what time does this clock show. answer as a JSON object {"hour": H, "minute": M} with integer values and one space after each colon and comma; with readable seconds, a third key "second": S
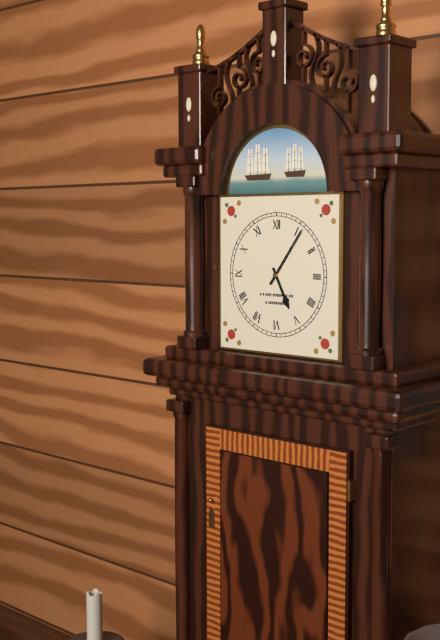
{"hour": 5, "minute": 6}
